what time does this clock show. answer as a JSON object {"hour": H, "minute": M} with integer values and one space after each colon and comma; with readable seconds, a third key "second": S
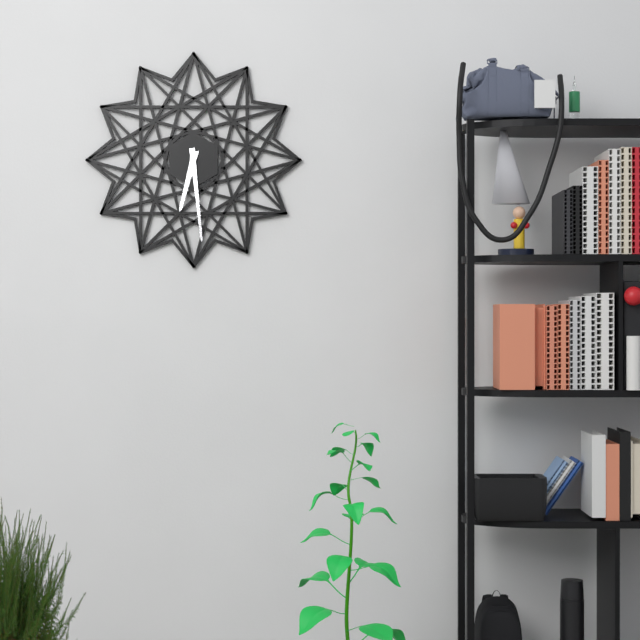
{"hour": 6, "minute": 29}
